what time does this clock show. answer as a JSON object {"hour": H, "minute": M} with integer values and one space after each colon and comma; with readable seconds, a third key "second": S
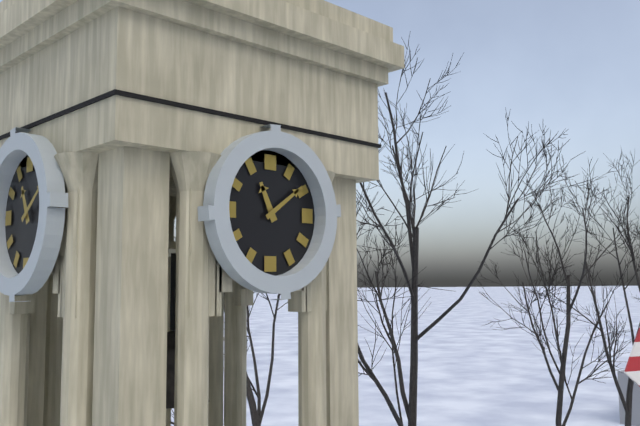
{"hour": 11, "minute": 9}
